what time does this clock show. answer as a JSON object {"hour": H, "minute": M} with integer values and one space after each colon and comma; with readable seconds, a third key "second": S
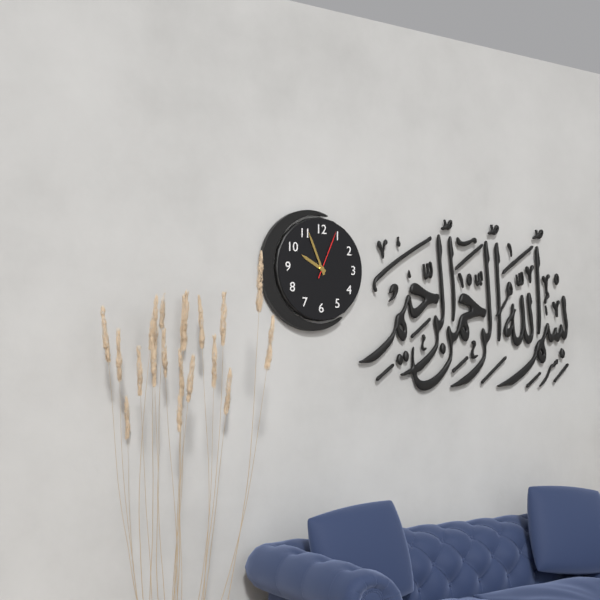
{"hour": 9, "minute": 56, "second": 4}
